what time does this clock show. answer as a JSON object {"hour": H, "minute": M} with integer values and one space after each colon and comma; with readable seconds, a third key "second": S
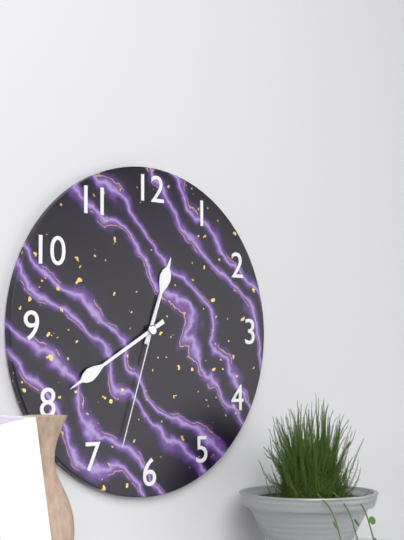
{"hour": 12, "minute": 40, "second": 33}
